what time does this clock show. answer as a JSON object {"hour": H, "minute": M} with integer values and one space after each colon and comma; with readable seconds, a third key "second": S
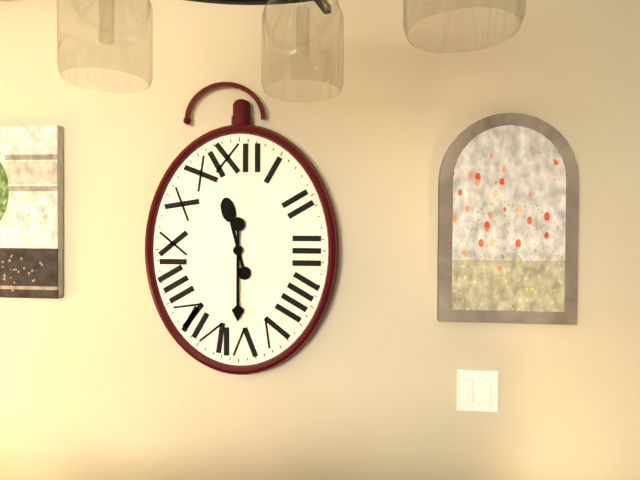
{"hour": 11, "minute": 30}
